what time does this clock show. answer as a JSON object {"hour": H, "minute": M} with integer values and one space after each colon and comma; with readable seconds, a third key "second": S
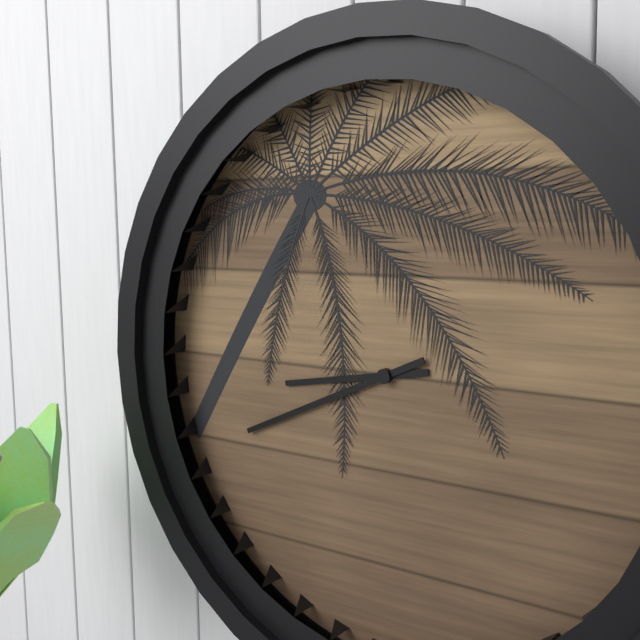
{"hour": 8, "minute": 41}
